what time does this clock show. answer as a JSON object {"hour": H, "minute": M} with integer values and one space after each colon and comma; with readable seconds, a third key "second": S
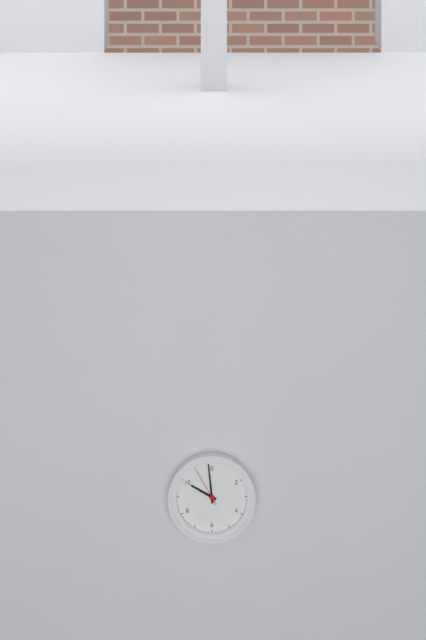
{"hour": 9, "minute": 59}
